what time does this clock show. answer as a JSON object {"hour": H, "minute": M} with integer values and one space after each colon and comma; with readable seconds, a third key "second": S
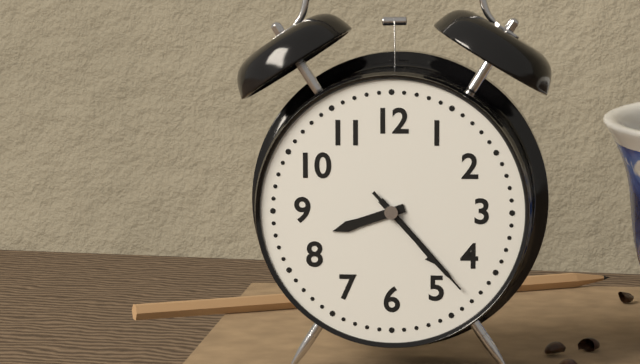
{"hour": 8, "minute": 23, "second": 23}
